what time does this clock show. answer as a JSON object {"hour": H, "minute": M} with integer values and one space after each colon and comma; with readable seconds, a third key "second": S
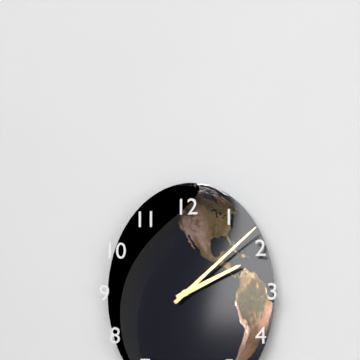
{"hour": 2, "minute": 8}
